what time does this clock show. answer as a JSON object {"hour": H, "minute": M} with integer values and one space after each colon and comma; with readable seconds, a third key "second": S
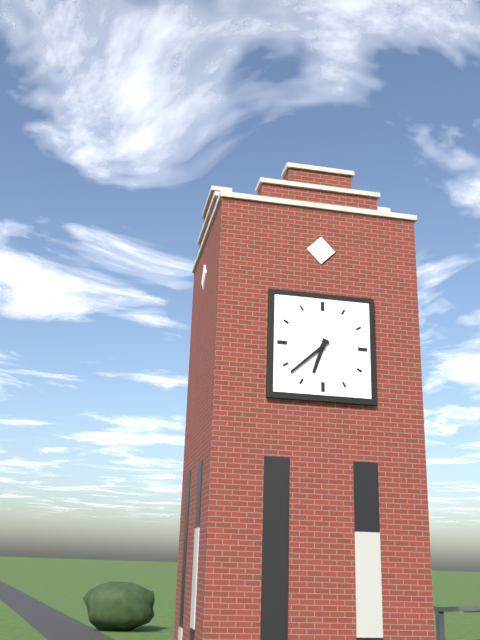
{"hour": 6, "minute": 38}
